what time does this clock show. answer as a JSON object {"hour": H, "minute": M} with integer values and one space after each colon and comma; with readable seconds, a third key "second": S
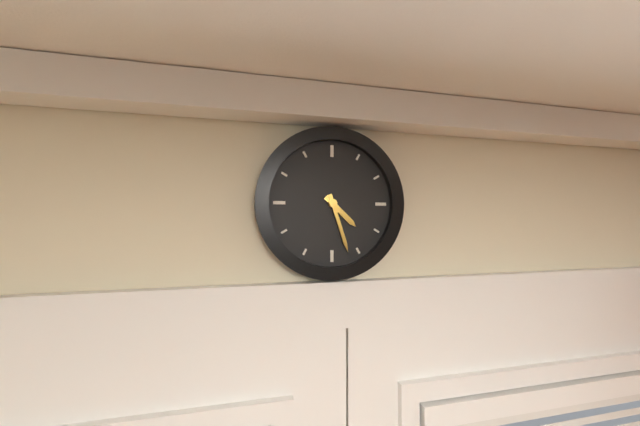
{"hour": 4, "minute": 27}
